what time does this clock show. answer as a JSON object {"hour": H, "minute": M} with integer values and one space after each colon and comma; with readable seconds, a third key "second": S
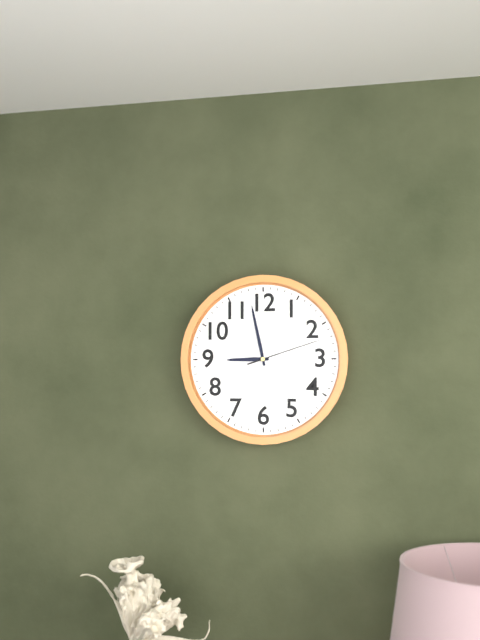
{"hour": 8, "minute": 58, "second": 12}
